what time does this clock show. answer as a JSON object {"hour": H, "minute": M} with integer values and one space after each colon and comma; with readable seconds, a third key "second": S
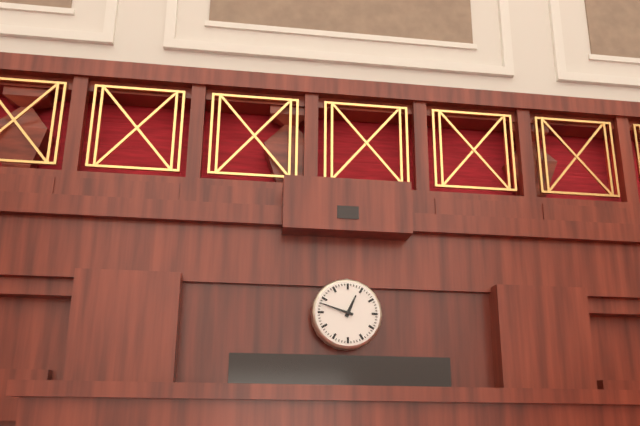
{"hour": 12, "minute": 48}
